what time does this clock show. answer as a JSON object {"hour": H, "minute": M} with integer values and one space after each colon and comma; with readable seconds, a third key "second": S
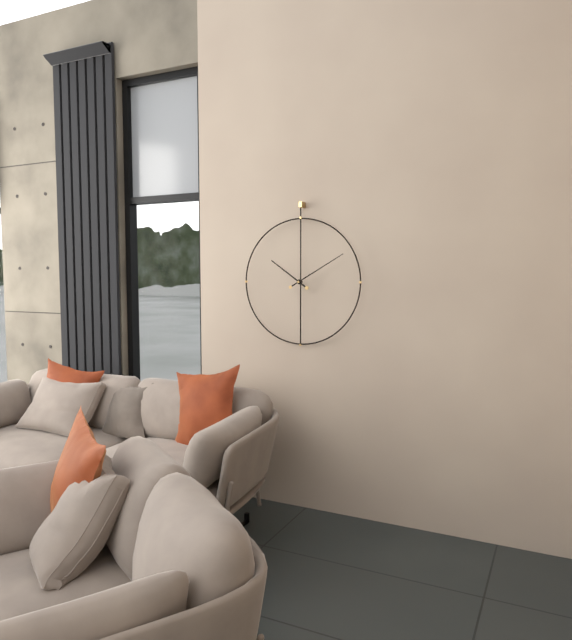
{"hour": 10, "minute": 10}
